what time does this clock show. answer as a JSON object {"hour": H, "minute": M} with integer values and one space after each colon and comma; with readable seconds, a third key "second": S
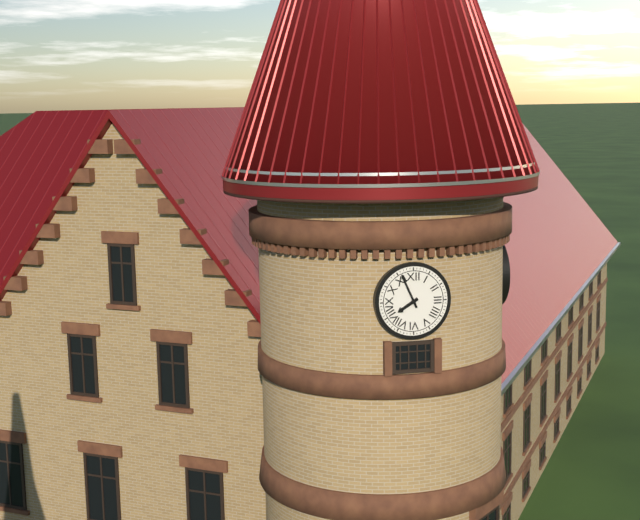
{"hour": 7, "minute": 56}
